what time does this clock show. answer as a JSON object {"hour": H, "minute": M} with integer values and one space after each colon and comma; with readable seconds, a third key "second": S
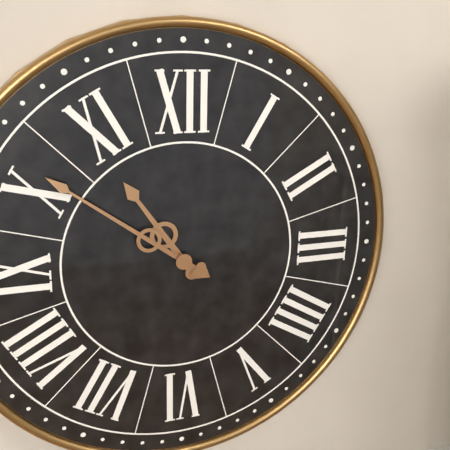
{"hour": 10, "minute": 51}
